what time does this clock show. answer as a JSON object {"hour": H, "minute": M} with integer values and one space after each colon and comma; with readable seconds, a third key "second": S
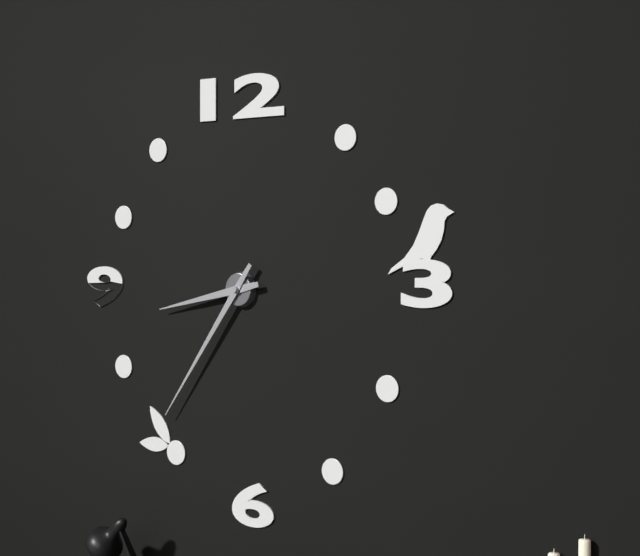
{"hour": 8, "minute": 36}
